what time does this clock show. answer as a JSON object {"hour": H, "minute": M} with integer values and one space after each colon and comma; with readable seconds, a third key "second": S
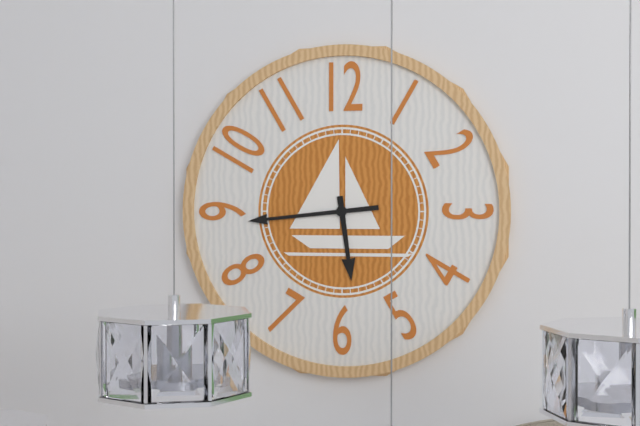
{"hour": 5, "minute": 44}
